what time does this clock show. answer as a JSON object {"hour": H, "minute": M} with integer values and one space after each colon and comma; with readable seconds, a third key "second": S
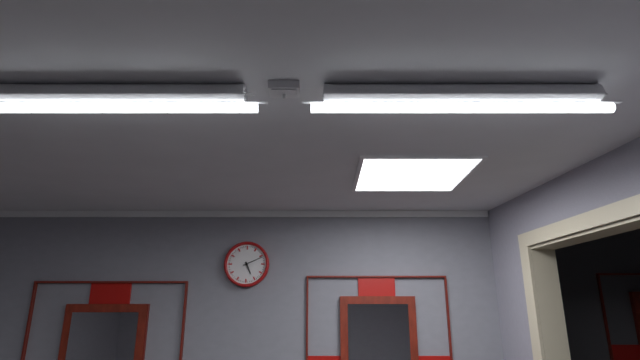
{"hour": 5, "minute": 11}
